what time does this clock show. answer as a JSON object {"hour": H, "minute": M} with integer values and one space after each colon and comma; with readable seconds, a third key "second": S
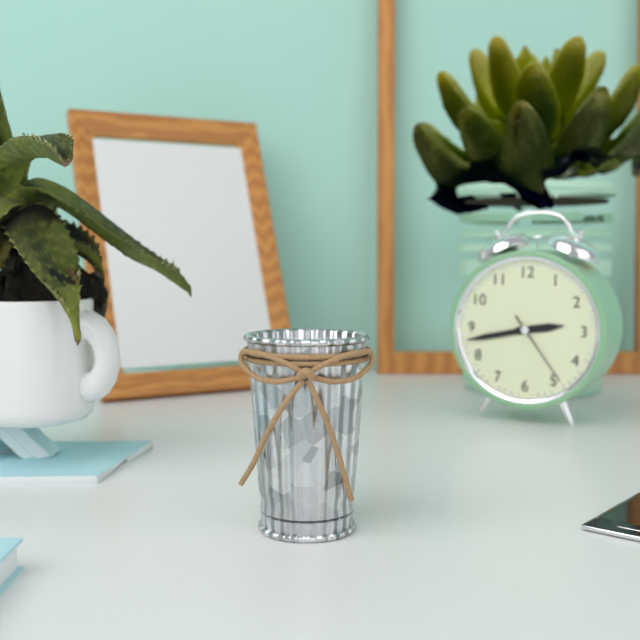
{"hour": 2, "minute": 43, "second": 24}
